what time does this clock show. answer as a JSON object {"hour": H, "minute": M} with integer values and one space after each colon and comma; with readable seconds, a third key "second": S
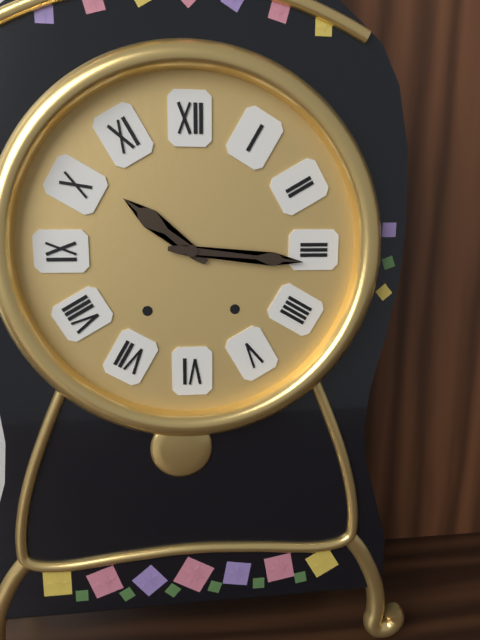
{"hour": 10, "minute": 16}
